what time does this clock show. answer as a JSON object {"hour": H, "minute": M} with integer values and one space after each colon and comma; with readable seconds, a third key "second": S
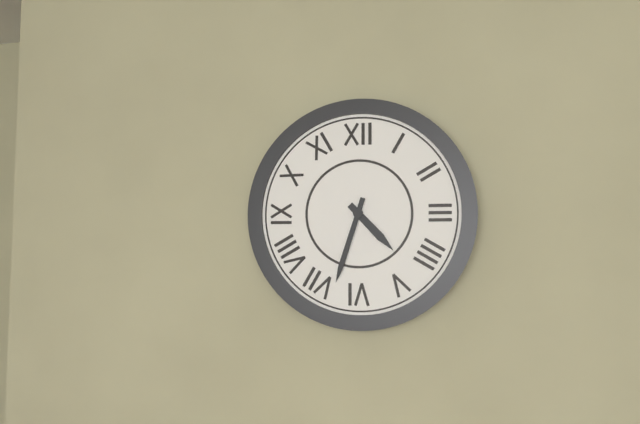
{"hour": 4, "minute": 33}
